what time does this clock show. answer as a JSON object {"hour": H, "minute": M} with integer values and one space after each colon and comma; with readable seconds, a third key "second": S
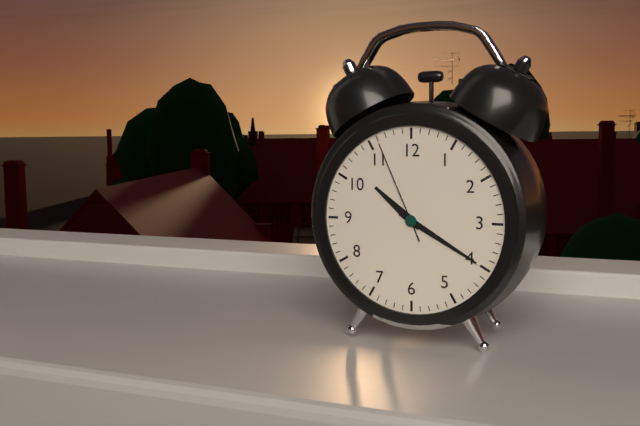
{"hour": 10, "minute": 20, "second": 56}
